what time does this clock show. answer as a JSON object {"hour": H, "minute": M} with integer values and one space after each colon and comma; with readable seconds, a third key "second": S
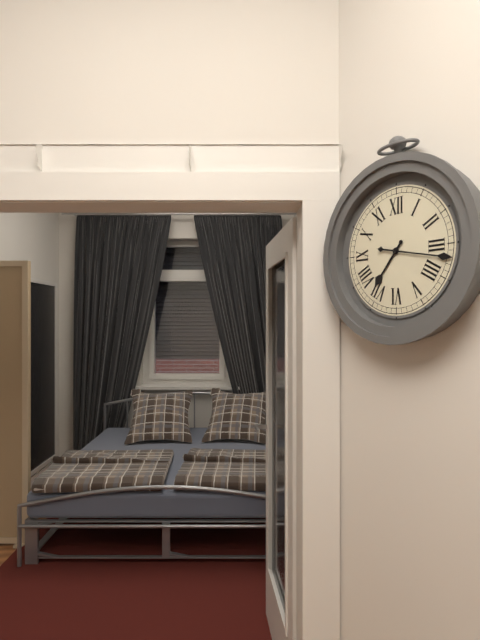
{"hour": 7, "minute": 17}
